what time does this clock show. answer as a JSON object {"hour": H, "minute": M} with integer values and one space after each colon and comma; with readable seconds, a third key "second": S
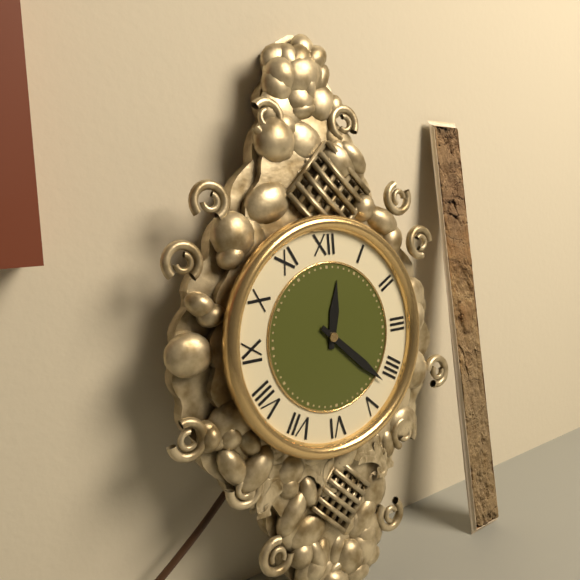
{"hour": 12, "minute": 22}
